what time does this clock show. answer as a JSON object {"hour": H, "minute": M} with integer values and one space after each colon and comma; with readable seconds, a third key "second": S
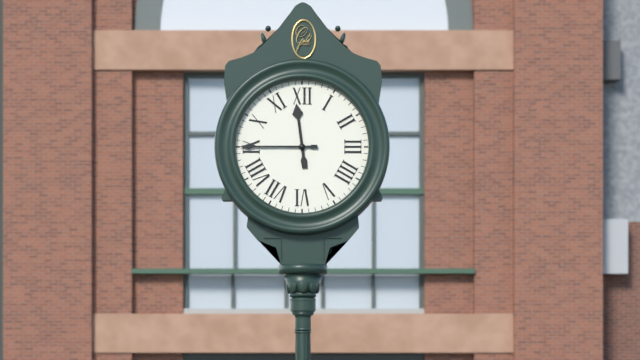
{"hour": 11, "minute": 45}
